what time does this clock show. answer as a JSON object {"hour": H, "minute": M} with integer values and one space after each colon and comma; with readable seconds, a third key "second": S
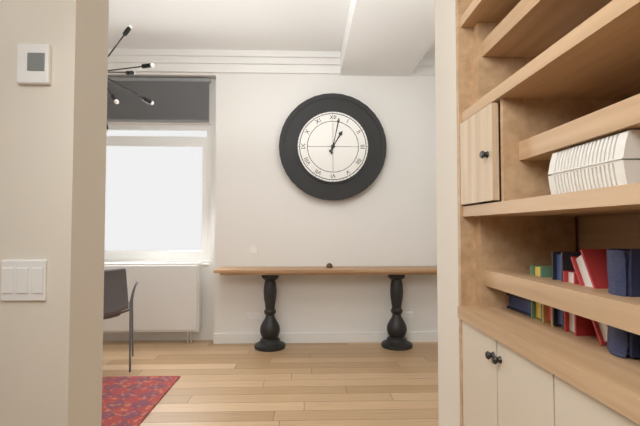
{"hour": 1, "minute": 2}
